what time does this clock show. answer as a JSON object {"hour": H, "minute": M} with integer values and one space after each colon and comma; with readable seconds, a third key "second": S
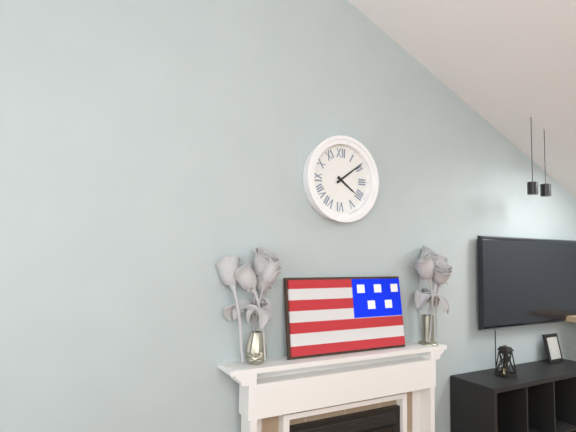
{"hour": 4, "minute": 9}
